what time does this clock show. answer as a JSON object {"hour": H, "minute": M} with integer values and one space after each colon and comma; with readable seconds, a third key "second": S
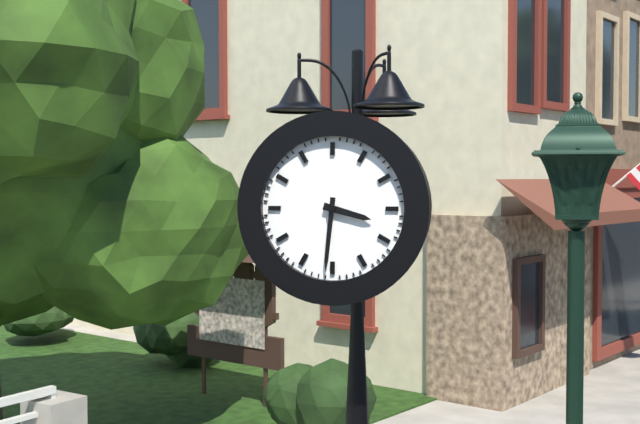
{"hour": 3, "minute": 31}
